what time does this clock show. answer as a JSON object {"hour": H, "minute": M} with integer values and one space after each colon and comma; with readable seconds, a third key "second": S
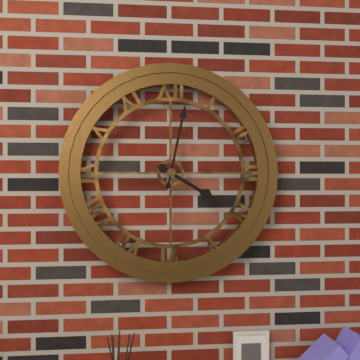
{"hour": 4, "minute": 2}
